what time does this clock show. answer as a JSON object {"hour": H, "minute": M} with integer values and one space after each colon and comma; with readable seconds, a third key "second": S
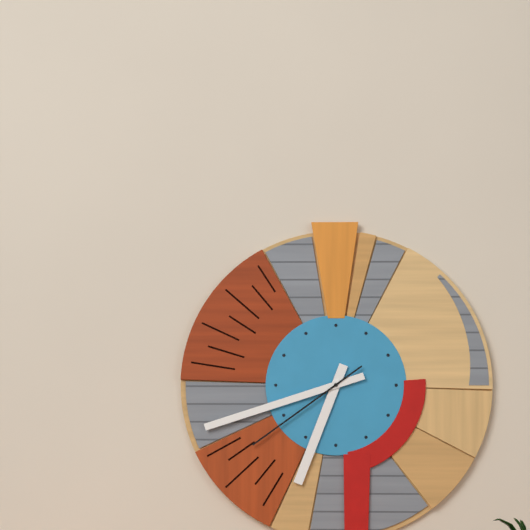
{"hour": 6, "minute": 42, "second": 39}
